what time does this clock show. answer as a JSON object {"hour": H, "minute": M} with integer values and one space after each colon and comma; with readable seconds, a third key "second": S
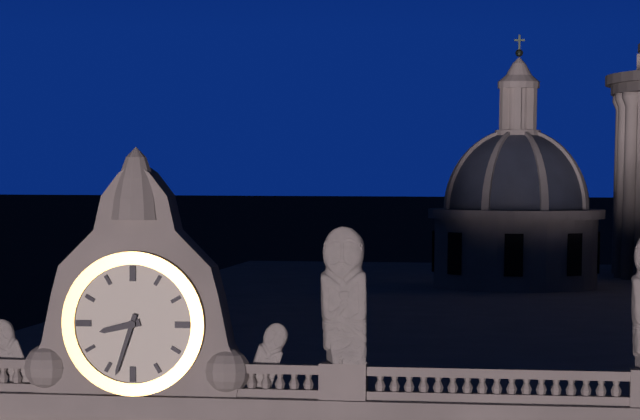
{"hour": 8, "minute": 33}
